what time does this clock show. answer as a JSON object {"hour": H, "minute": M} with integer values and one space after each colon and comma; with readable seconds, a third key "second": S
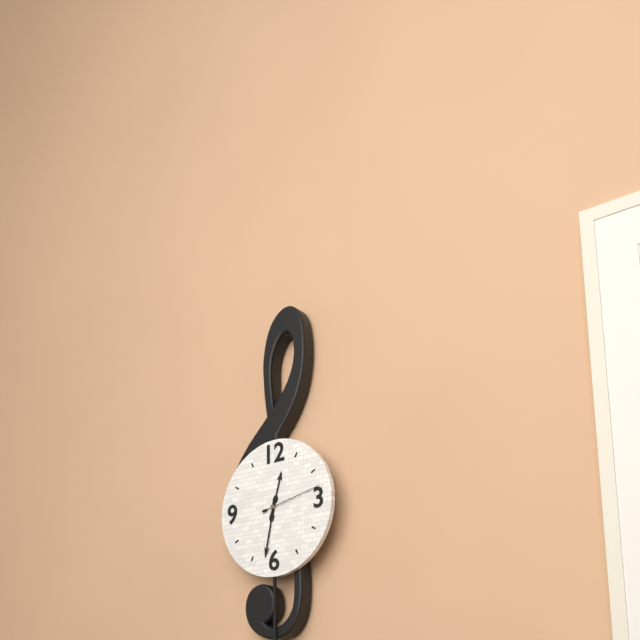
{"hour": 12, "minute": 32, "second": 13}
